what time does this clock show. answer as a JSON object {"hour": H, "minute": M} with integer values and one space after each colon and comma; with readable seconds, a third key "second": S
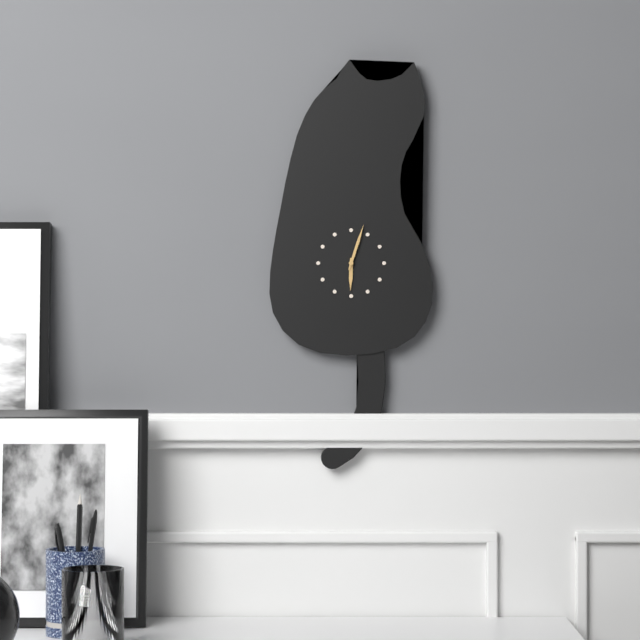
{"hour": 6, "minute": 3}
